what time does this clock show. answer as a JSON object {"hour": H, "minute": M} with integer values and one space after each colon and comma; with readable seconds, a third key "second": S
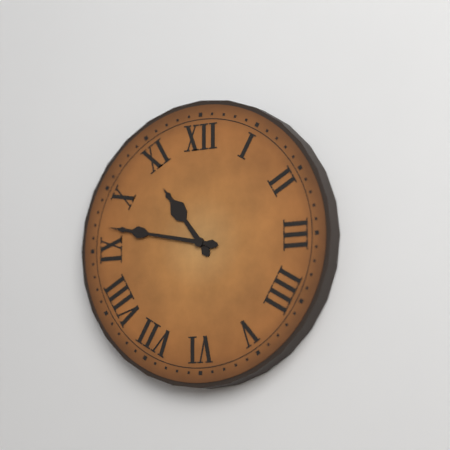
{"hour": 10, "minute": 47}
